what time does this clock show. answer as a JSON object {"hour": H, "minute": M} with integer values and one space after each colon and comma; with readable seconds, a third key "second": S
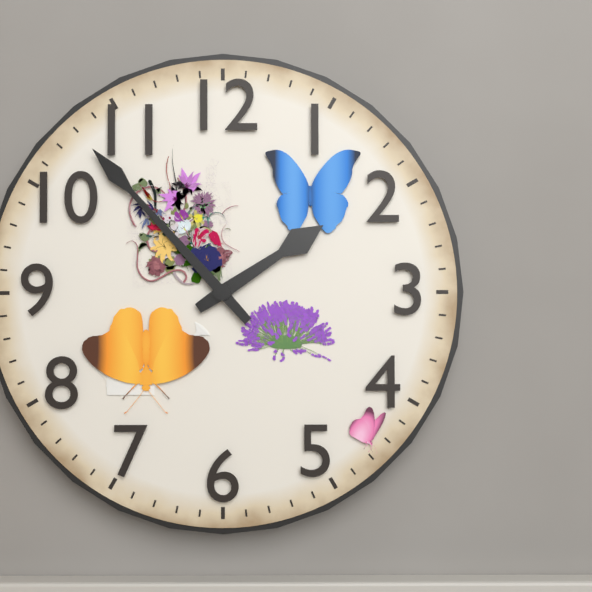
{"hour": 1, "minute": 53}
